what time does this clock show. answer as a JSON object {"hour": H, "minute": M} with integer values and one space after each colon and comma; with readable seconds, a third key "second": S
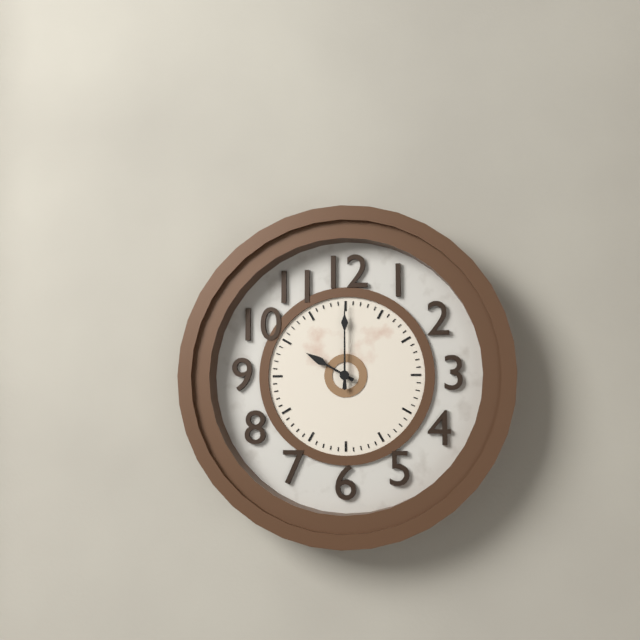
{"hour": 10, "minute": 0}
